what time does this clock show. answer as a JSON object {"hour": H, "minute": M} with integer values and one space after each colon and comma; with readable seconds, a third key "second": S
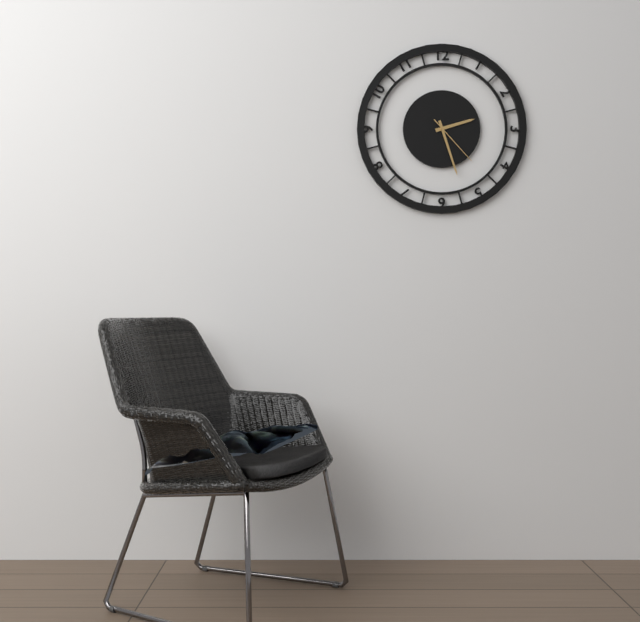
{"hour": 2, "minute": 27, "second": 23}
